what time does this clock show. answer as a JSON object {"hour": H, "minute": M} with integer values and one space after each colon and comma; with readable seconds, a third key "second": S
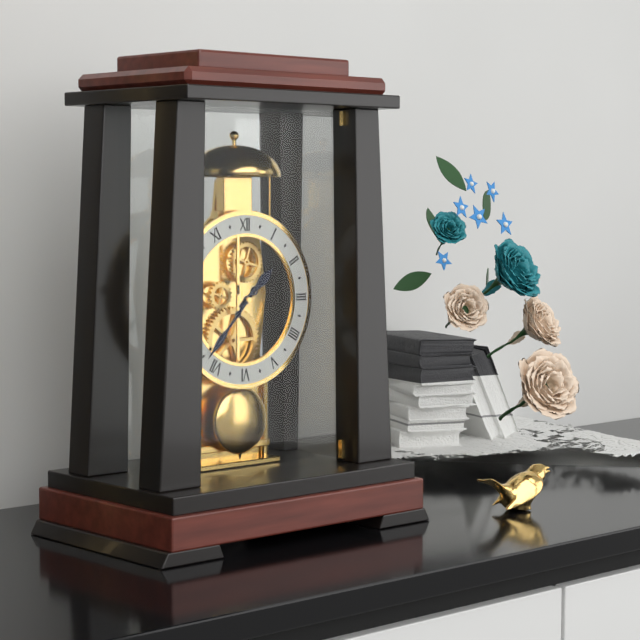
{"hour": 1, "minute": 37}
